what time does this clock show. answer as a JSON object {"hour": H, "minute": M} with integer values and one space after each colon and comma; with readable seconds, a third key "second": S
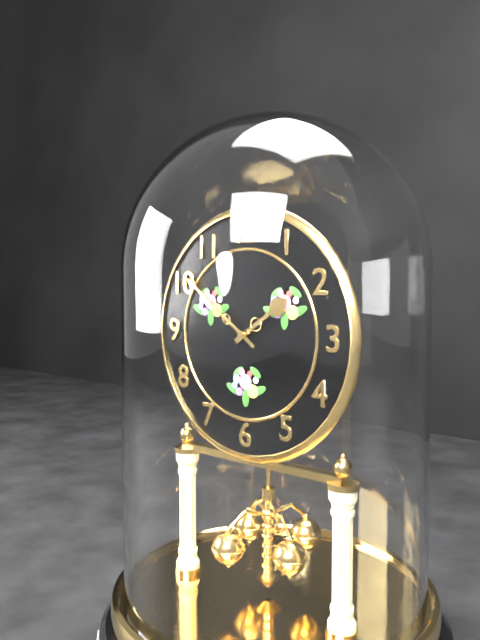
{"hour": 1, "minute": 51}
